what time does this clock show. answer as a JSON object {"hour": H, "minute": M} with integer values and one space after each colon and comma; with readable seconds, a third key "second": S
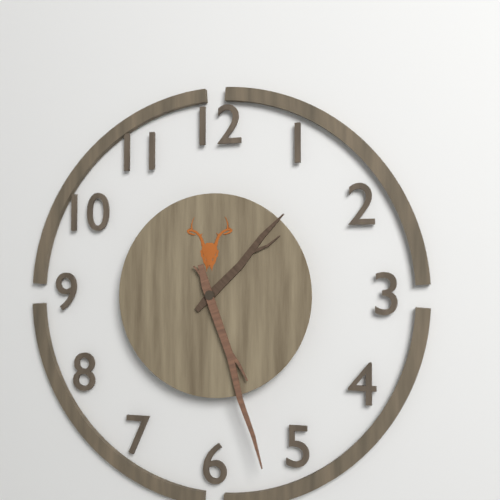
{"hour": 1, "minute": 27}
